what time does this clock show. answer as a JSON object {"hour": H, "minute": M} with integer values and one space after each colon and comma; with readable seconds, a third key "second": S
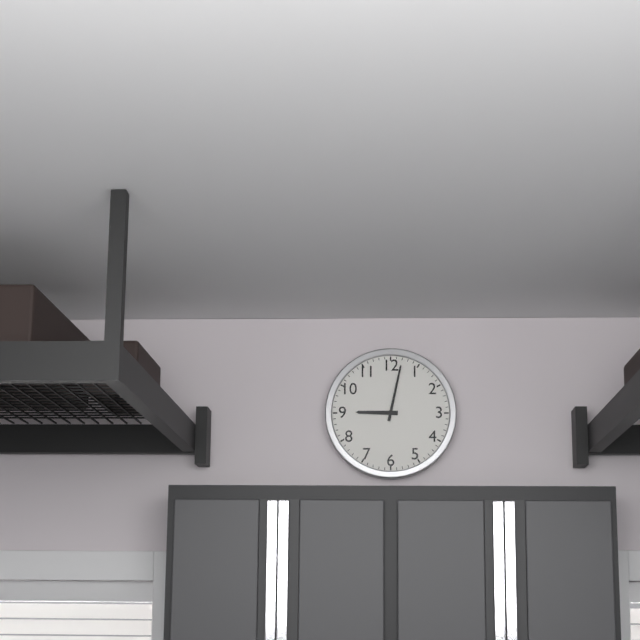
{"hour": 9, "minute": 2}
